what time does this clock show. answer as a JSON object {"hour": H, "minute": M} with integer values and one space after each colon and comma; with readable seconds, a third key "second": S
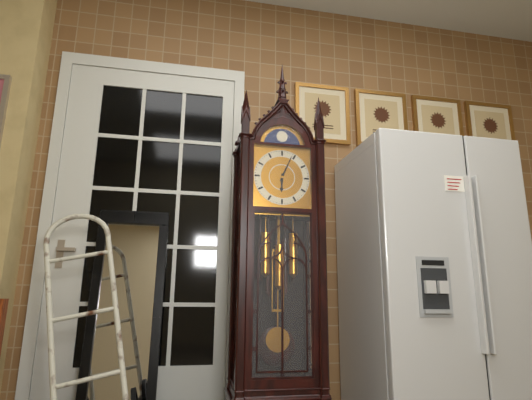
{"hour": 6, "minute": 4}
